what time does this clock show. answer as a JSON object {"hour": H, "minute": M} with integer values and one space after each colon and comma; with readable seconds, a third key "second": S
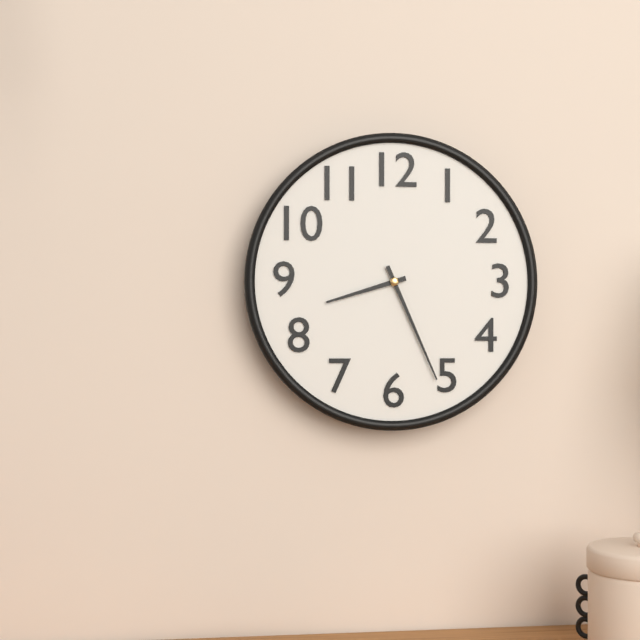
{"hour": 8, "minute": 26}
